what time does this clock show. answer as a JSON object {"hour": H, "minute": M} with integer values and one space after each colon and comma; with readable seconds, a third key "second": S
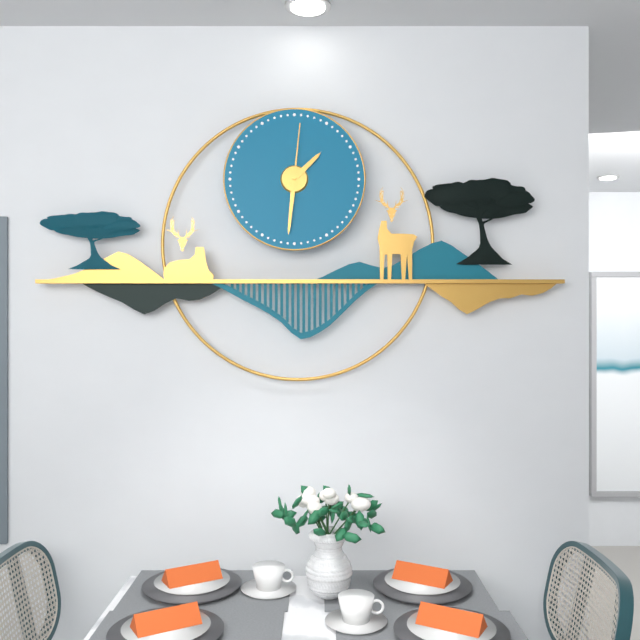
{"hour": 1, "minute": 31, "second": 1}
